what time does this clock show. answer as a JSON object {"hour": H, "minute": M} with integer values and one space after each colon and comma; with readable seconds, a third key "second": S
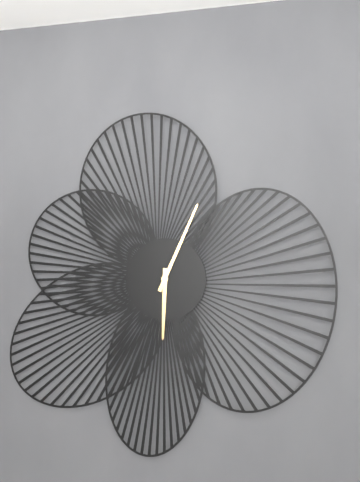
{"hour": 6, "minute": 4}
